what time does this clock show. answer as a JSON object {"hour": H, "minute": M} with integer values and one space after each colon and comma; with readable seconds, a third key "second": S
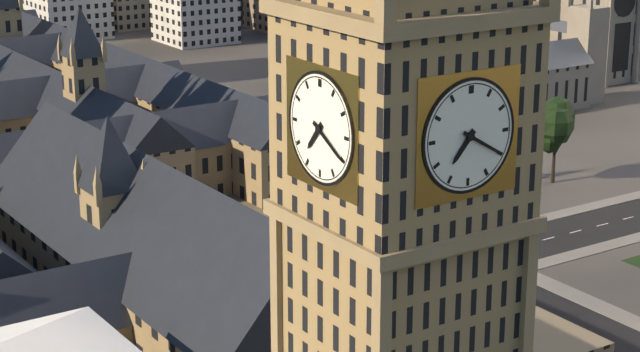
{"hour": 7, "minute": 20}
